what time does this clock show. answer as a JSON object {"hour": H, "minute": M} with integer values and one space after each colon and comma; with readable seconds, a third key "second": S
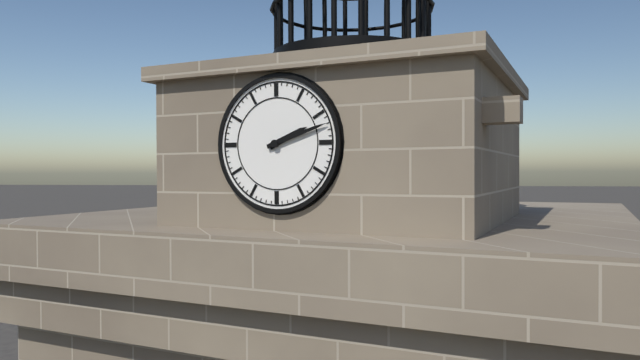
{"hour": 2, "minute": 12}
